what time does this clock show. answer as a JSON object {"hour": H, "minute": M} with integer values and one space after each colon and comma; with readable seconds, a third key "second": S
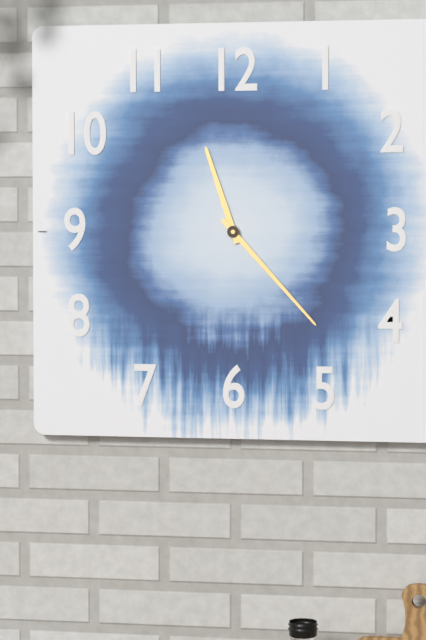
{"hour": 11, "minute": 23}
